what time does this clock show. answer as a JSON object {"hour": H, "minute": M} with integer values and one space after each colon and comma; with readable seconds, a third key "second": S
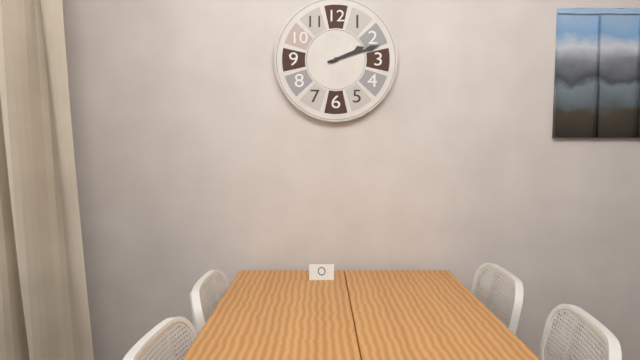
{"hour": 2, "minute": 12}
